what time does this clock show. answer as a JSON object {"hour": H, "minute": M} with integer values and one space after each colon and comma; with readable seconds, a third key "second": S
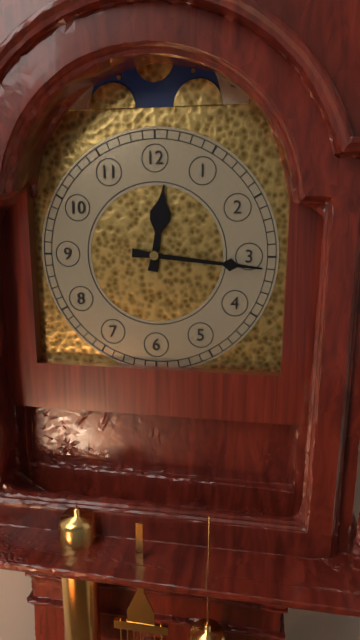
{"hour": 12, "minute": 16}
